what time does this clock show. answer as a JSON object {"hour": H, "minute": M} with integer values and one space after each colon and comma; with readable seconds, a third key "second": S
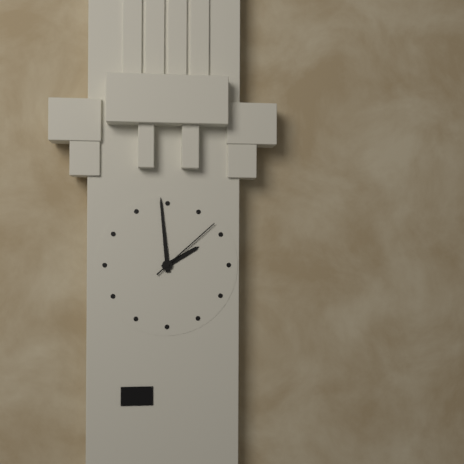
{"hour": 1, "minute": 59, "second": 8}
